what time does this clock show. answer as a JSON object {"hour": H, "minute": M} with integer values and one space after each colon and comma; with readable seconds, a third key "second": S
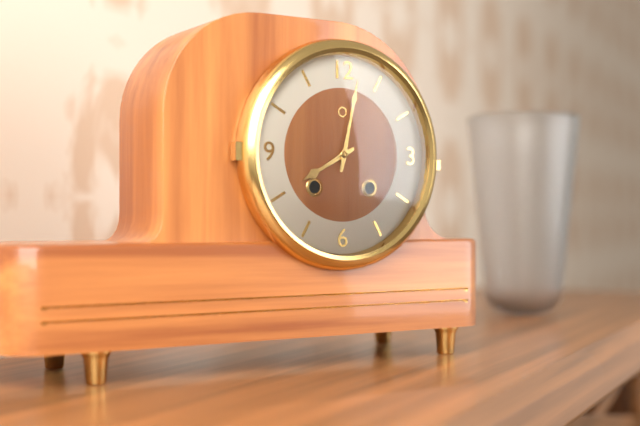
{"hour": 8, "minute": 2}
